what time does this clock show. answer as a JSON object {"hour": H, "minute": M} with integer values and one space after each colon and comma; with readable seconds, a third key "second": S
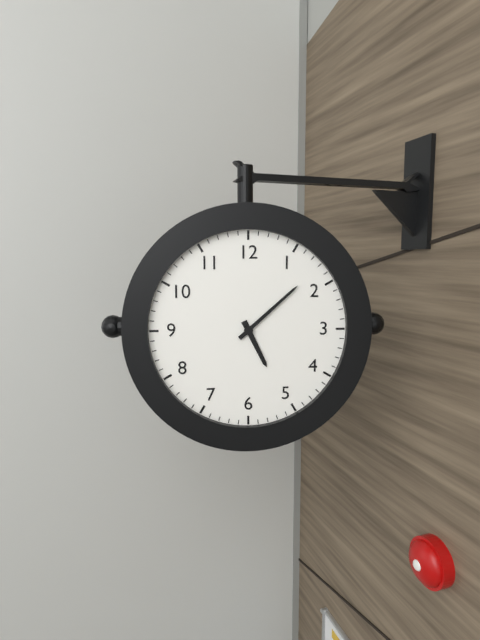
{"hour": 5, "minute": 8}
